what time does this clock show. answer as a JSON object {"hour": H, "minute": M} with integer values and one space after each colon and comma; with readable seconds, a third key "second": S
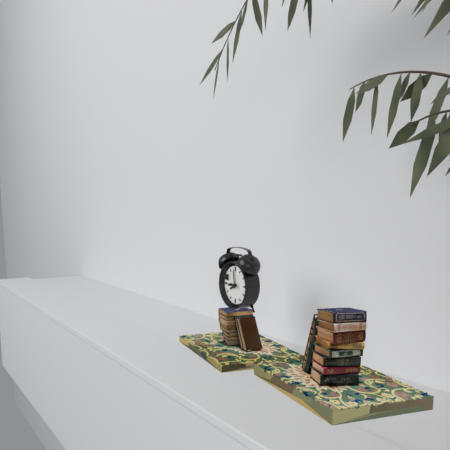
{"hour": 7, "minute": 59}
